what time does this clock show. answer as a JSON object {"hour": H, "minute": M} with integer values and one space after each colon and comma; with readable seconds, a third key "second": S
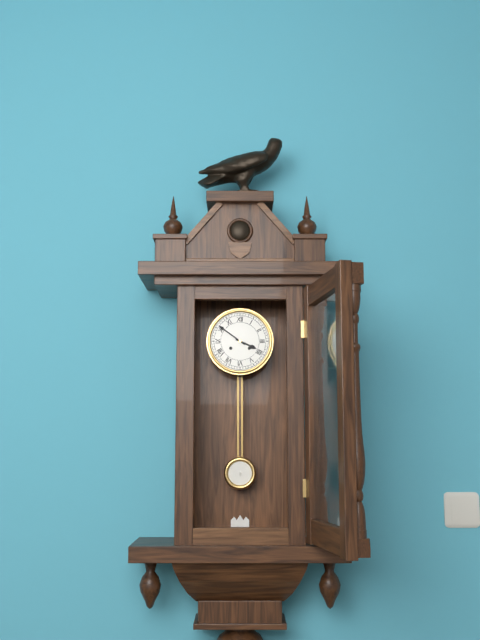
{"hour": 3, "minute": 51}
